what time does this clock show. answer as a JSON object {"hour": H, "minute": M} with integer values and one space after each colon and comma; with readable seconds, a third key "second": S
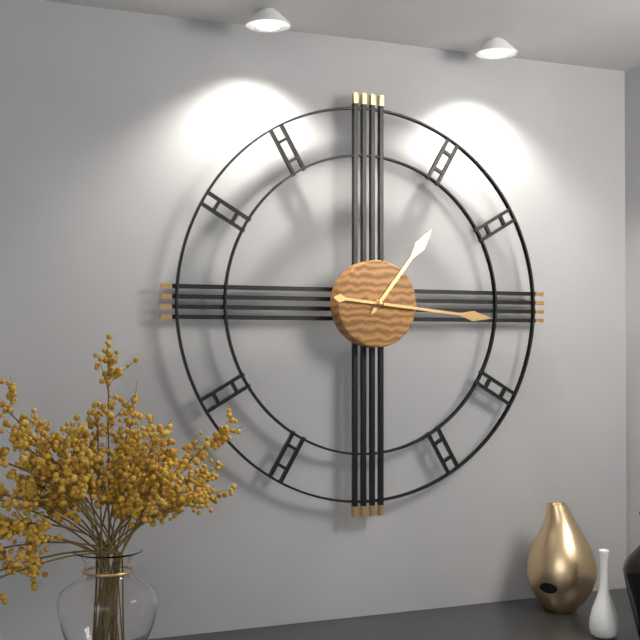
{"hour": 1, "minute": 16}
